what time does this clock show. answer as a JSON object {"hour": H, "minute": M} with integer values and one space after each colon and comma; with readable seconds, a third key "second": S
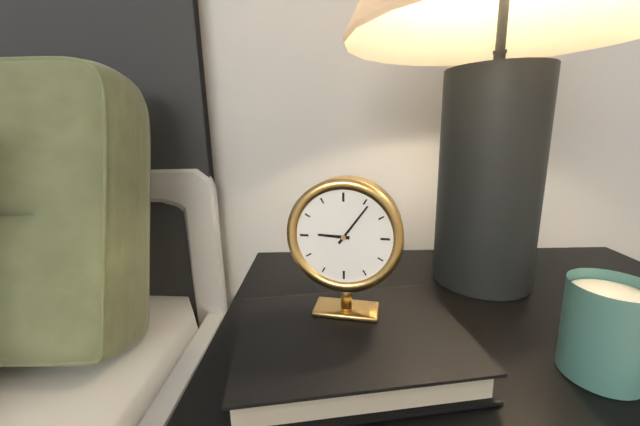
{"hour": 9, "minute": 6}
